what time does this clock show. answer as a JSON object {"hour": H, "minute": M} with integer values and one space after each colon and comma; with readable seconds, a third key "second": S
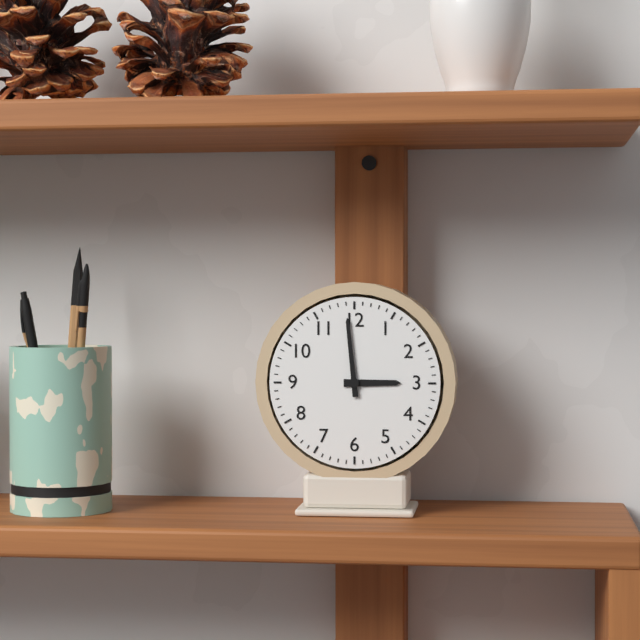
{"hour": 2, "minute": 59}
